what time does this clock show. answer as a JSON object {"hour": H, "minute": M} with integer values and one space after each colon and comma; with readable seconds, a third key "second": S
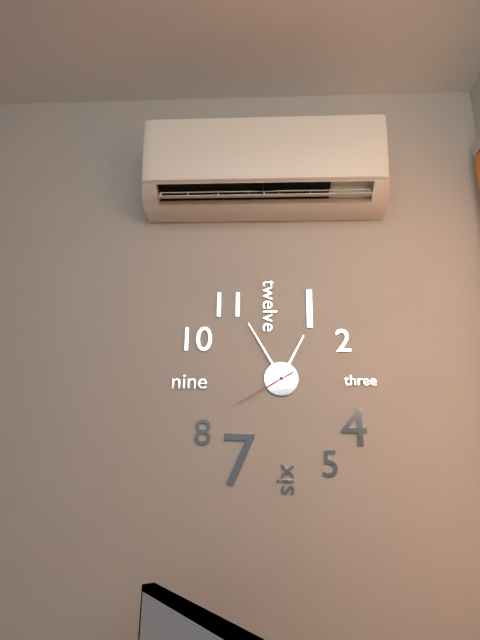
{"hour": 12, "minute": 55, "second": 40}
